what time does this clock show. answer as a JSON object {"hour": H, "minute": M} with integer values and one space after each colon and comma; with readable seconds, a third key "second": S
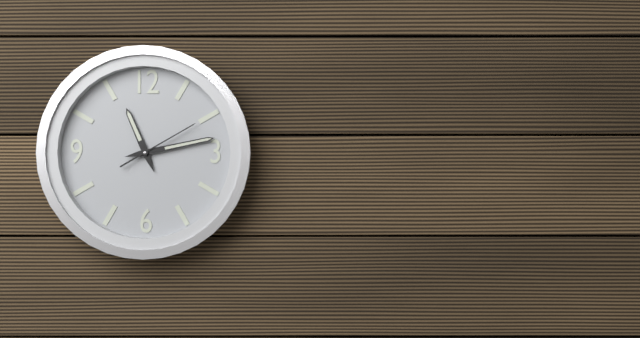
{"hour": 11, "minute": 13, "second": 10}
